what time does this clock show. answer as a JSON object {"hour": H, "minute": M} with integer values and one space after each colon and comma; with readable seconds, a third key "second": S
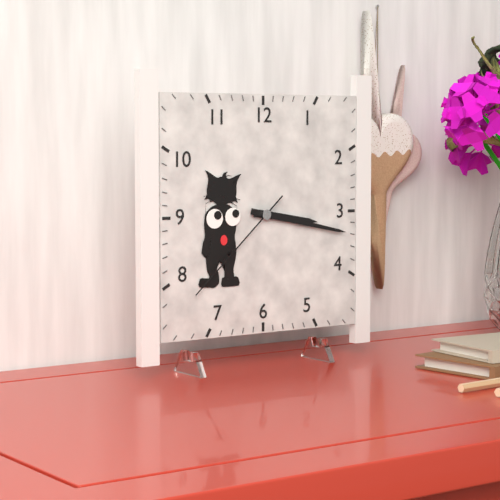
{"hour": 3, "minute": 17, "second": 38}
